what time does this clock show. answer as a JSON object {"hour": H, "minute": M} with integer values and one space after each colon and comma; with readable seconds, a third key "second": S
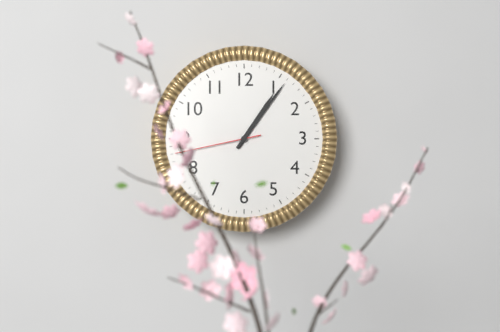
{"hour": 1, "minute": 6, "second": 43}
